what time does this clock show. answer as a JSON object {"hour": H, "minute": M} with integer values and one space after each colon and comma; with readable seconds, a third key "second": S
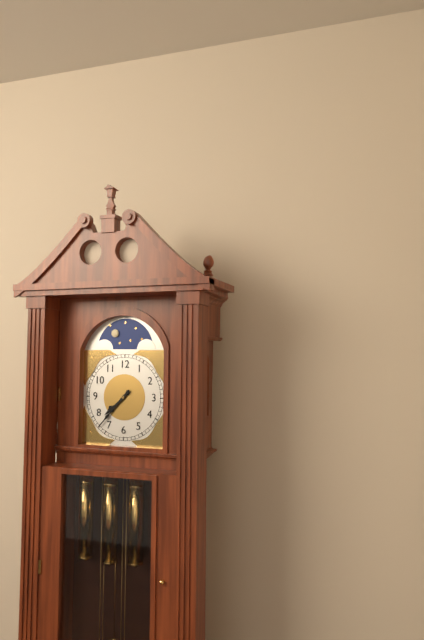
{"hour": 7, "minute": 37}
